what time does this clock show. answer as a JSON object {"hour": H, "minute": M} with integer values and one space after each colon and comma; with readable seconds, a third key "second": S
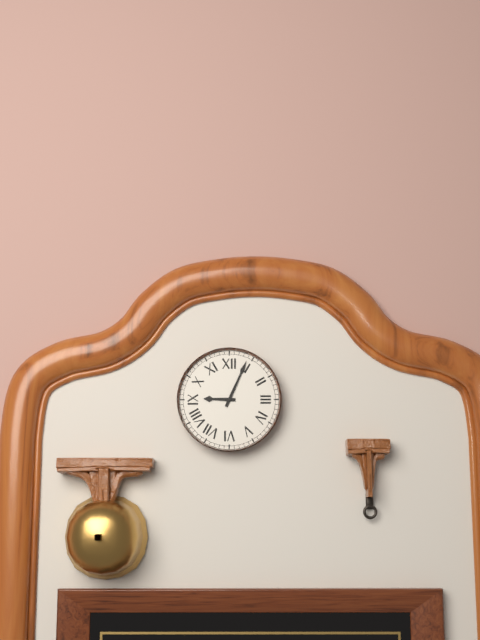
{"hour": 9, "minute": 4}
